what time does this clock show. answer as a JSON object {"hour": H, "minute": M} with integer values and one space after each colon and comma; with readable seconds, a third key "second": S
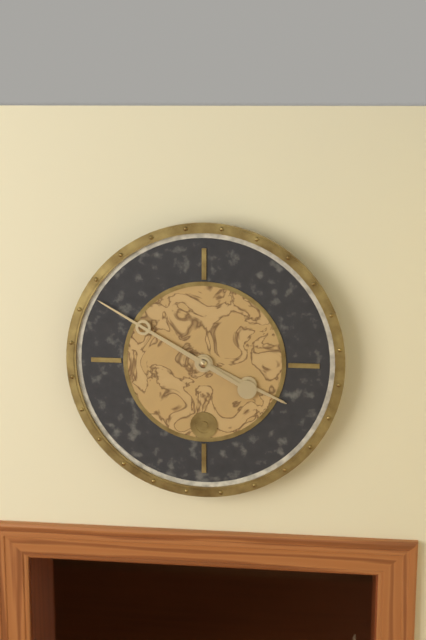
{"hour": 3, "minute": 50}
